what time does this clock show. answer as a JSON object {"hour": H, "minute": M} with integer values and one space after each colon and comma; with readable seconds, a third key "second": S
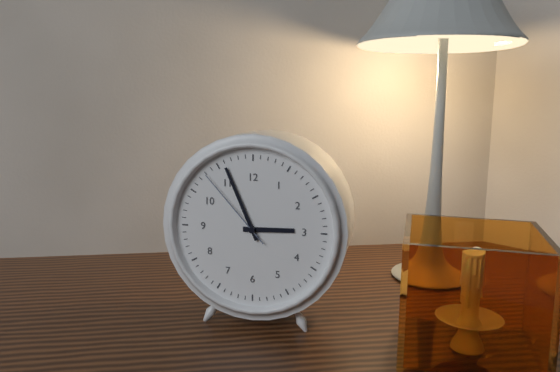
{"hour": 2, "minute": 56, "second": 53}
